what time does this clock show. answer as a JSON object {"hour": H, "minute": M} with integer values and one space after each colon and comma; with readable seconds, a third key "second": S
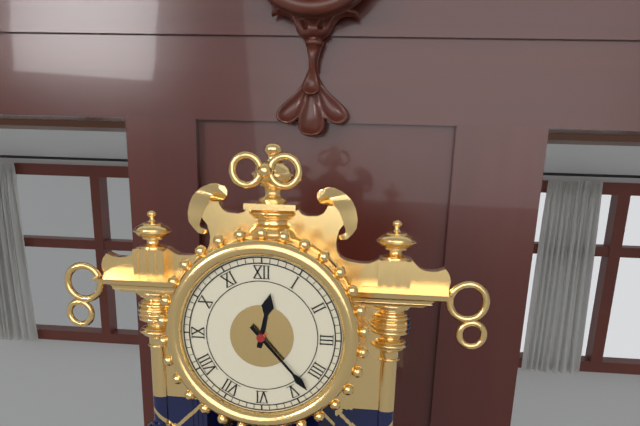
{"hour": 12, "minute": 23}
